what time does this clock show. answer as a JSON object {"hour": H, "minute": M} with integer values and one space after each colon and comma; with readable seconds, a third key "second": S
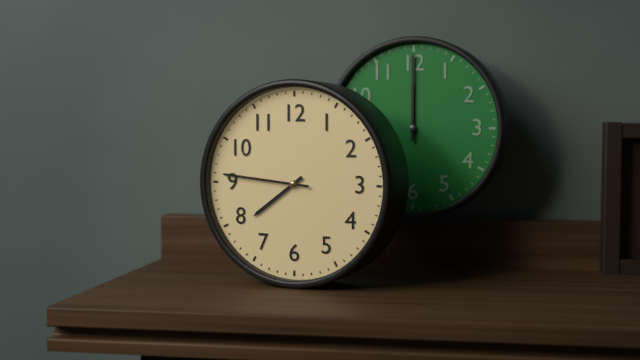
{"hour": 7, "minute": 46}
